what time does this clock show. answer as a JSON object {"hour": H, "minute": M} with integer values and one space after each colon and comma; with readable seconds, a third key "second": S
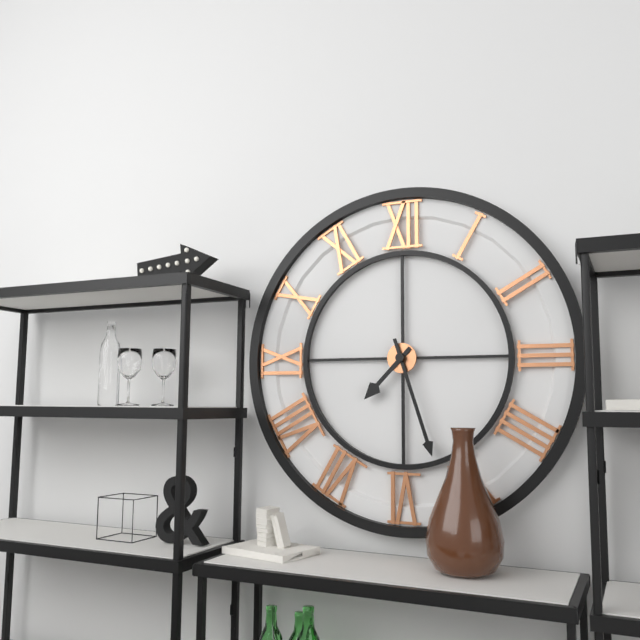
{"hour": 7, "minute": 27}
